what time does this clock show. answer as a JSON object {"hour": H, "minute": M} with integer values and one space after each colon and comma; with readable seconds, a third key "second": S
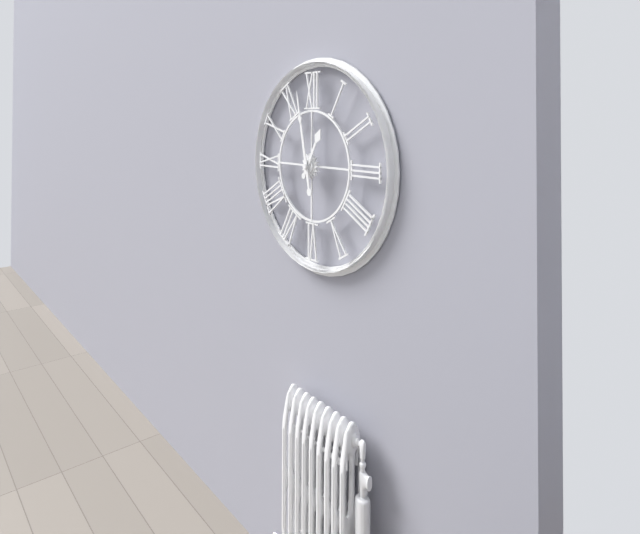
{"hour": 12, "minute": 58}
